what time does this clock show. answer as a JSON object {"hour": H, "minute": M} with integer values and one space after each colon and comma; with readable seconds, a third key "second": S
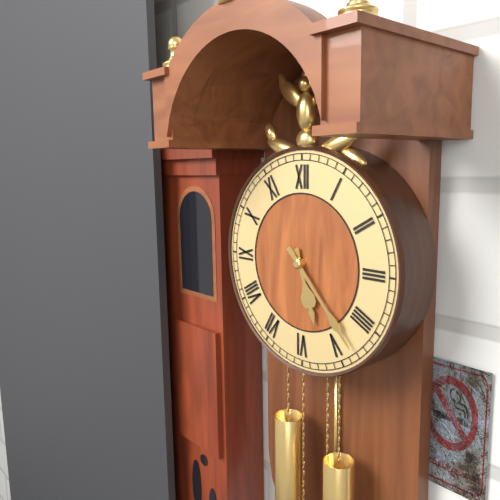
{"hour": 5, "minute": 23}
